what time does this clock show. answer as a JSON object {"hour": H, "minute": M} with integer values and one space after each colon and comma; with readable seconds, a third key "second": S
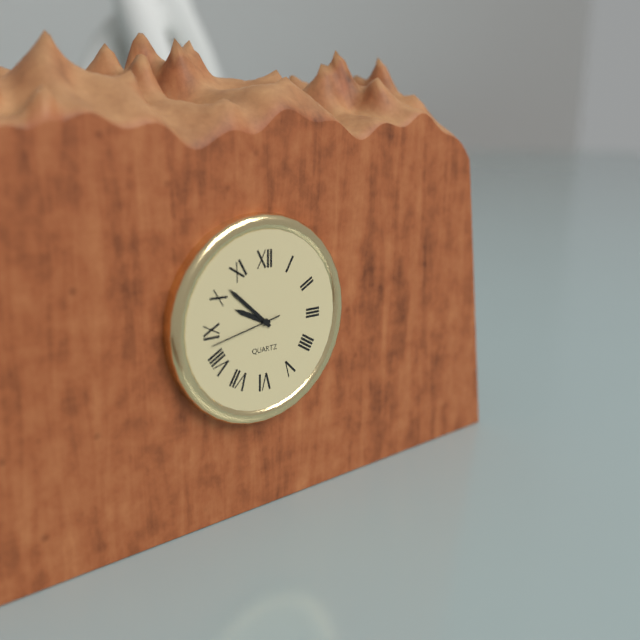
{"hour": 9, "minute": 52, "second": 43}
